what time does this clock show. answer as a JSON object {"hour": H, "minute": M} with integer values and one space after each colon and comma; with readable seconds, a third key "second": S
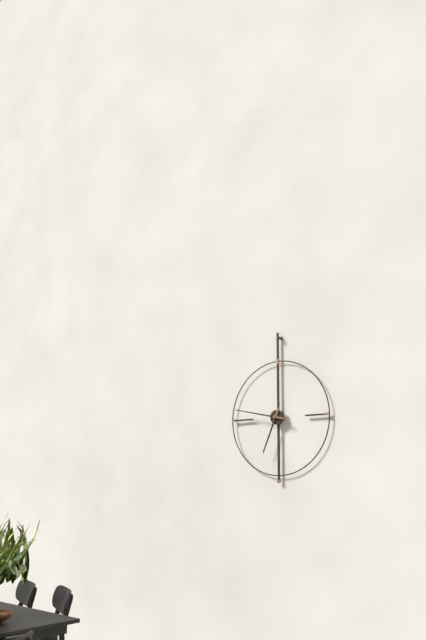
{"hour": 6, "minute": 47}
